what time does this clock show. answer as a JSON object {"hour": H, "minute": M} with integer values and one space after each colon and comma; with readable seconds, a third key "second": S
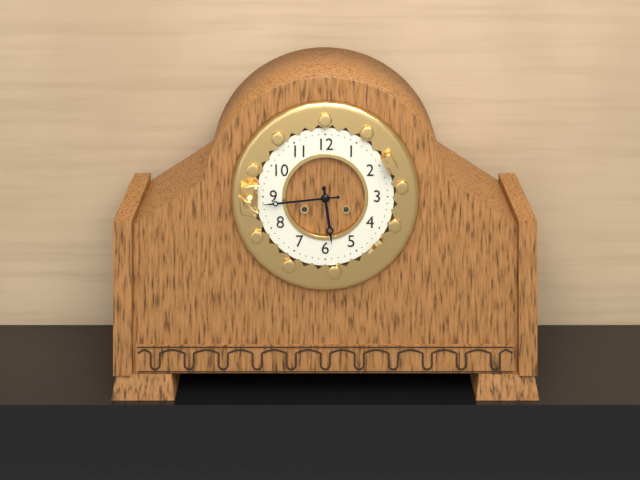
{"hour": 5, "minute": 44}
